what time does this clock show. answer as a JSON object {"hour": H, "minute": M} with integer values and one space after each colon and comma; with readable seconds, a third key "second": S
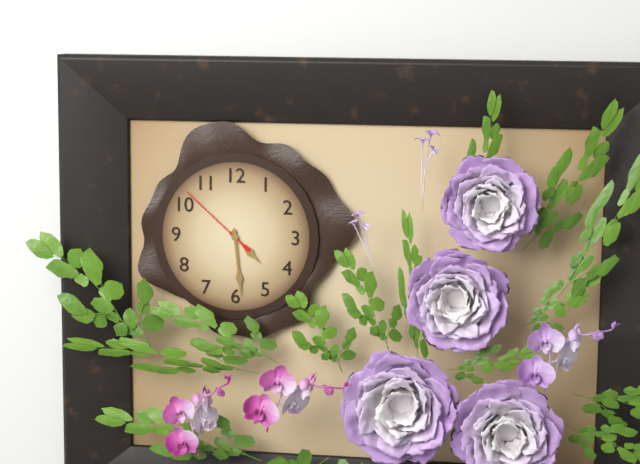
{"hour": 4, "minute": 29, "second": 52}
